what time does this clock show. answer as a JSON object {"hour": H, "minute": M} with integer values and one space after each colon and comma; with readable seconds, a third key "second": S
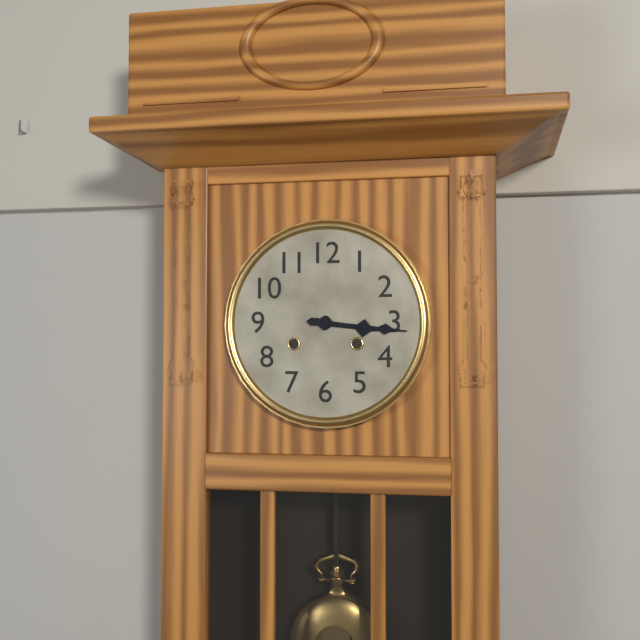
{"hour": 3, "minute": 16}
